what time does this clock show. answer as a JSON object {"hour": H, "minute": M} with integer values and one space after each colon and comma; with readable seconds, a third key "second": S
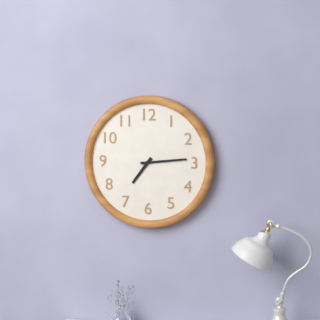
{"hour": 7, "minute": 14}
